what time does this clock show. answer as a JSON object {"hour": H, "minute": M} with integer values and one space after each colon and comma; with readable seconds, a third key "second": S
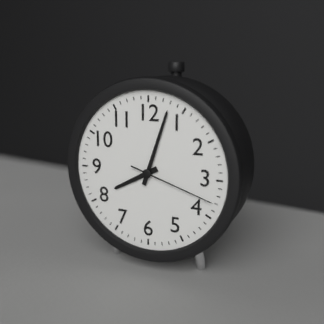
{"hour": 8, "minute": 3, "second": 18}
